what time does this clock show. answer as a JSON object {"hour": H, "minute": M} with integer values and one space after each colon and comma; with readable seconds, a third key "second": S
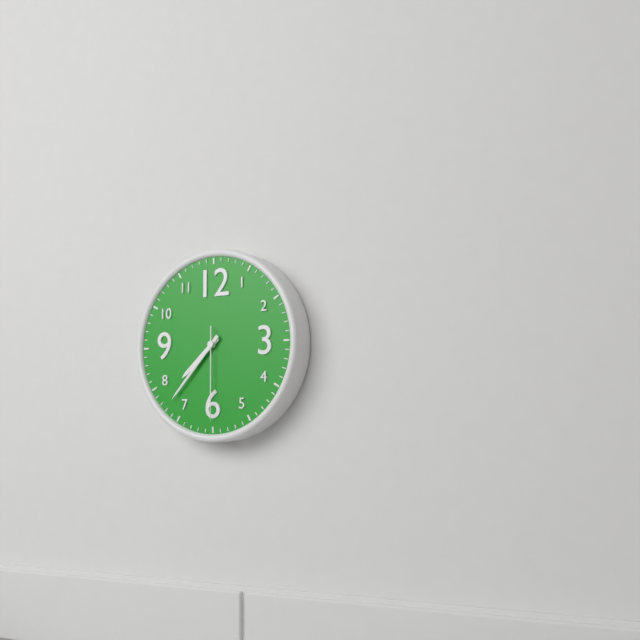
{"hour": 7, "minute": 37, "second": 30}
